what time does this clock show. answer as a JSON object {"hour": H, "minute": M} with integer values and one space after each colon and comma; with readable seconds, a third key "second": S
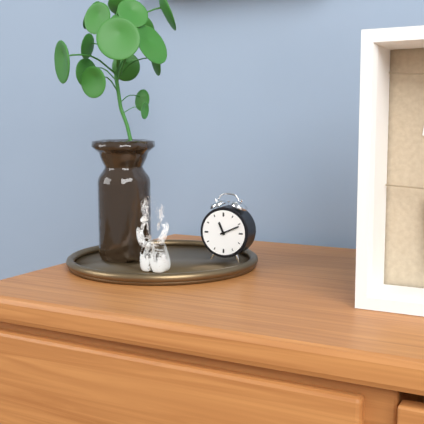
{"hour": 11, "minute": 11}
